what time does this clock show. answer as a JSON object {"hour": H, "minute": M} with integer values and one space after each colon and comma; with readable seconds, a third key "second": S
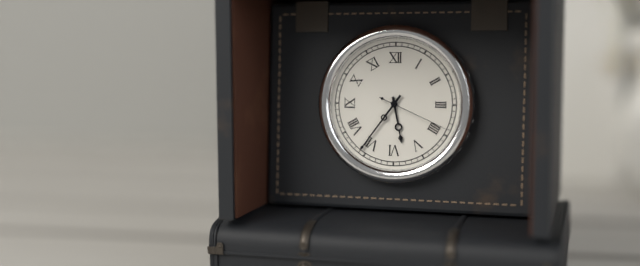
{"hour": 5, "minute": 36, "second": 19}
